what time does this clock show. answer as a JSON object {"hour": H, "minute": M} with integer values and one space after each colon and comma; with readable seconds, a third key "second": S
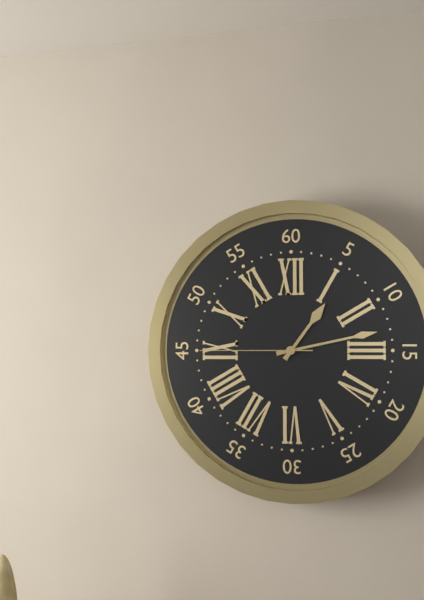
{"hour": 1, "minute": 13, "second": 45}
